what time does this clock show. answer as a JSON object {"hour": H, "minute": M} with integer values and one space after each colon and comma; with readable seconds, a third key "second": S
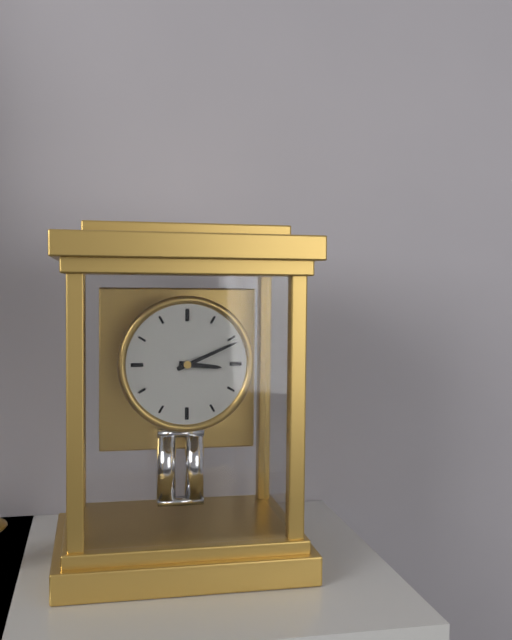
{"hour": 3, "minute": 11}
